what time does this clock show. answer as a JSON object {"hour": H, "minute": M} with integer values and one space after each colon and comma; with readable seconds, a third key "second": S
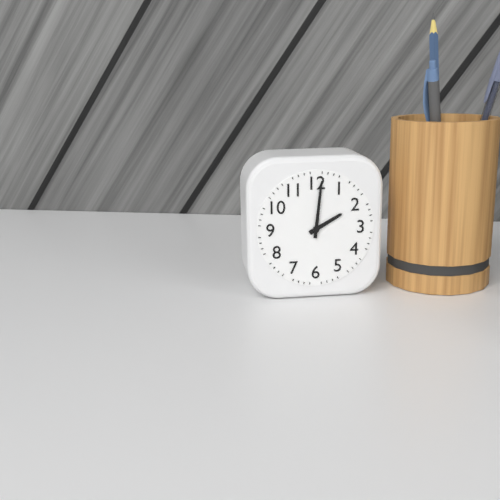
{"hour": 2, "minute": 1}
